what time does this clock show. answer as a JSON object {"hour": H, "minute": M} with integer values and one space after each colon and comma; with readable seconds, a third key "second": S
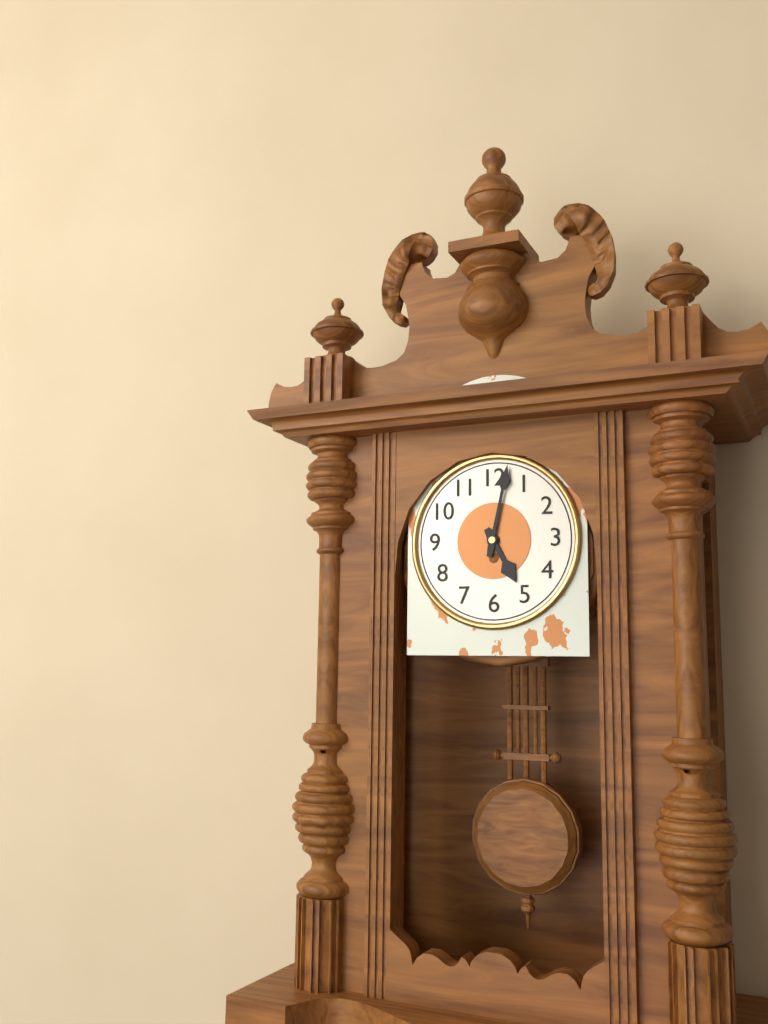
{"hour": 5, "minute": 2}
